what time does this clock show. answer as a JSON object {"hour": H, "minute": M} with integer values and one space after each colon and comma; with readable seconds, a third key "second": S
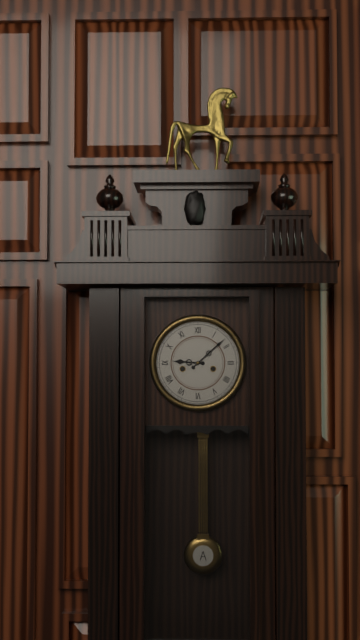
{"hour": 9, "minute": 8}
